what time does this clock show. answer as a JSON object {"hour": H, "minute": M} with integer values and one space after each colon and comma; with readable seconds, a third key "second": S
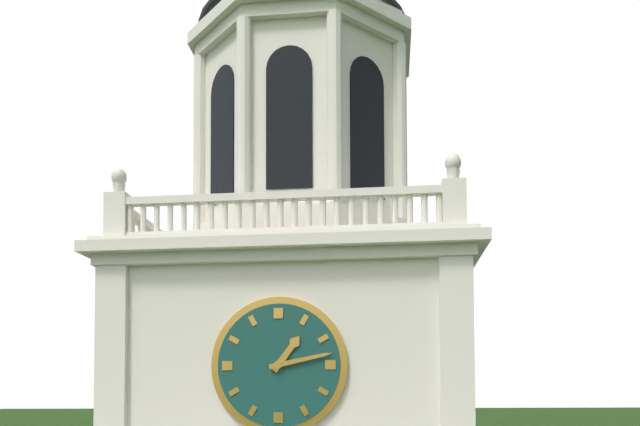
{"hour": 1, "minute": 13}
